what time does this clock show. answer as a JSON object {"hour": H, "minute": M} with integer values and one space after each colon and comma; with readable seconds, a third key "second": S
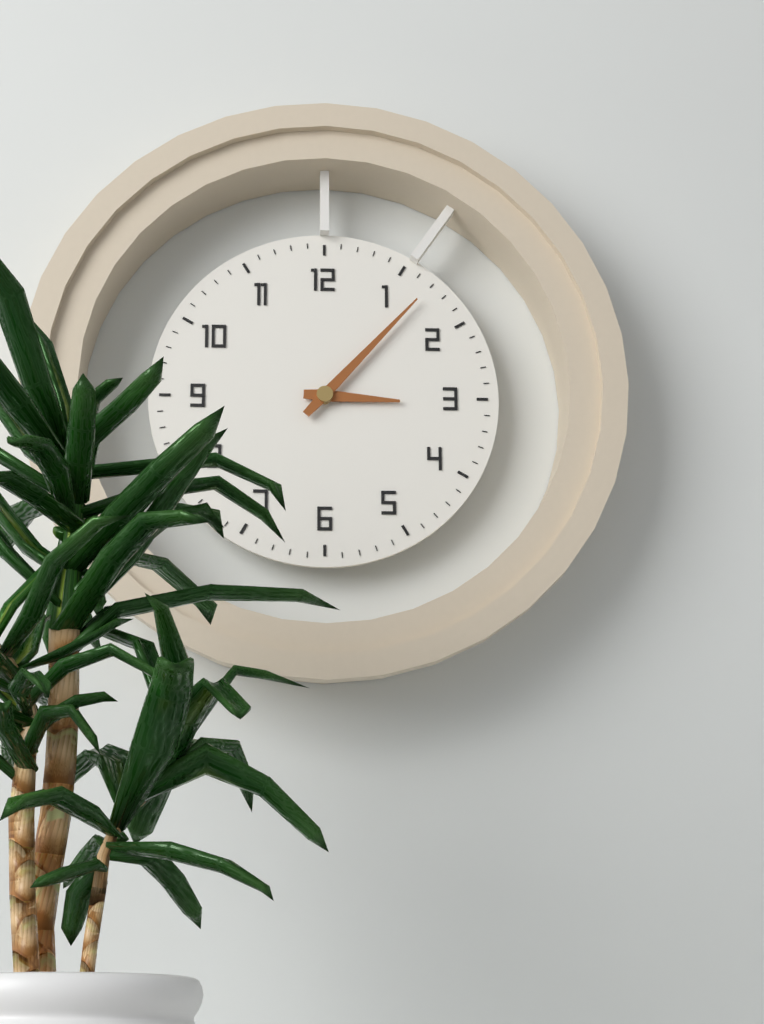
{"hour": 3, "minute": 7}
